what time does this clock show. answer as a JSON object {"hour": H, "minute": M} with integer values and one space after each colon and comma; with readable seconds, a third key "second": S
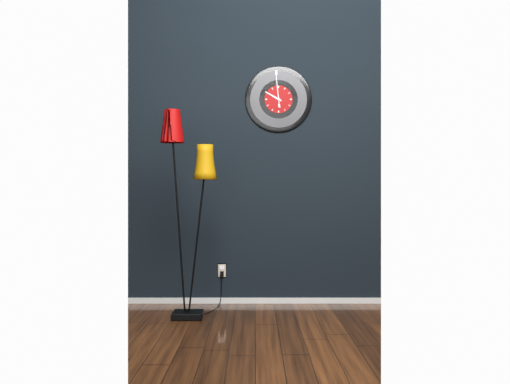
{"hour": 9, "minute": 59}
